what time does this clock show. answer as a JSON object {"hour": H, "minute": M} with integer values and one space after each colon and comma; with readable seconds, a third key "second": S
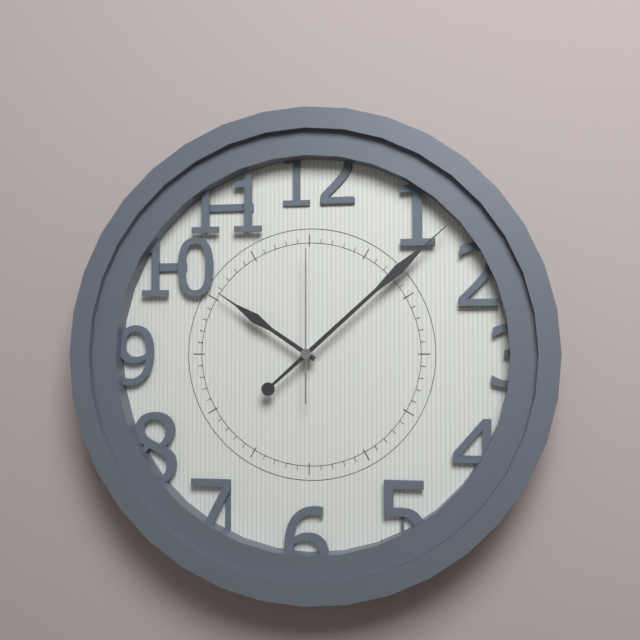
{"hour": 10, "minute": 8, "second": 0}
